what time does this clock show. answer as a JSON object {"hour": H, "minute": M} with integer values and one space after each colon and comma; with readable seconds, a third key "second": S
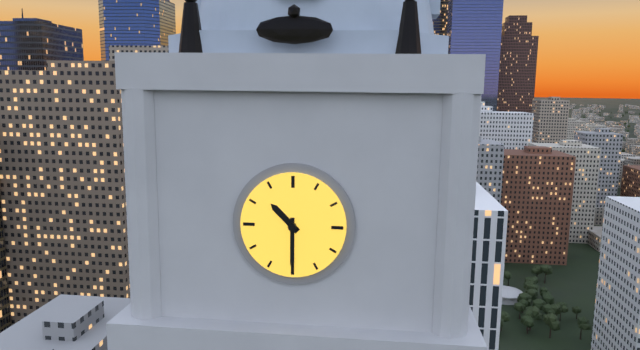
{"hour": 10, "minute": 30}
